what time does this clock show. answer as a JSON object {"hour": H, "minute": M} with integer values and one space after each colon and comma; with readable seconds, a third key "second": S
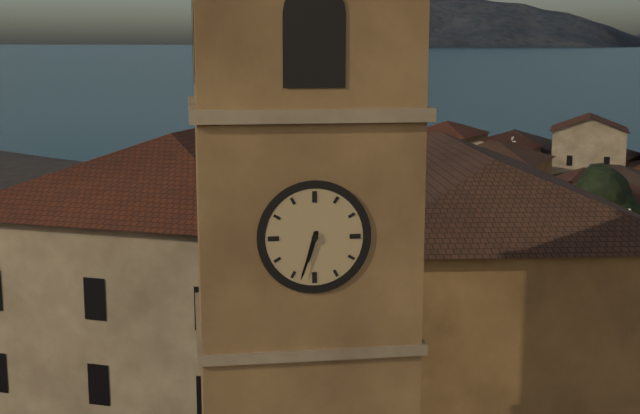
{"hour": 6, "minute": 33}
